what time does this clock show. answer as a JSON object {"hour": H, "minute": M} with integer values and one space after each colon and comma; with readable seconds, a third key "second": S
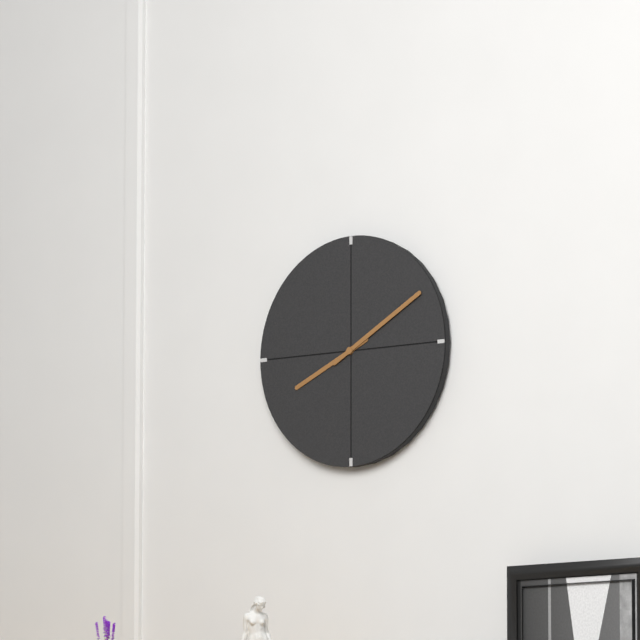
{"hour": 8, "minute": 10}
